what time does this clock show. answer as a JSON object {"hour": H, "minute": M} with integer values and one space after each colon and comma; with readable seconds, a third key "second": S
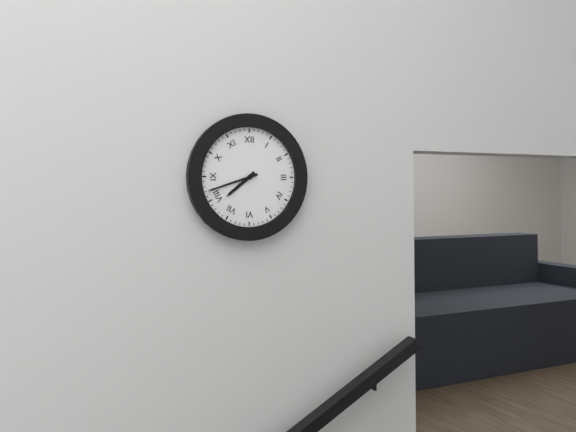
{"hour": 7, "minute": 42}
